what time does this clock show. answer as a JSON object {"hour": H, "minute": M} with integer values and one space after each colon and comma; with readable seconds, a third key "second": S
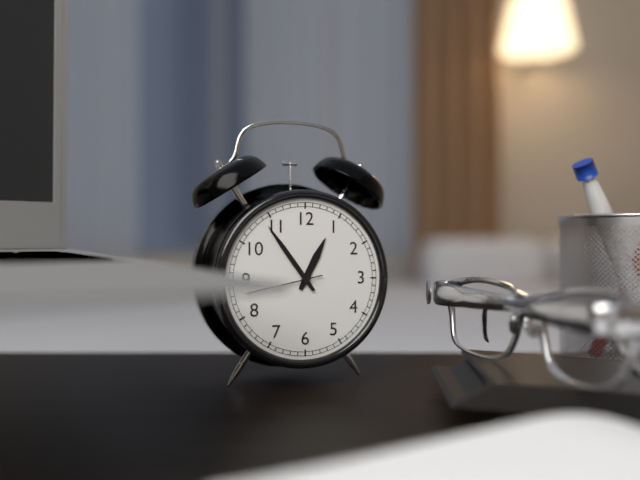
{"hour": 12, "minute": 54}
